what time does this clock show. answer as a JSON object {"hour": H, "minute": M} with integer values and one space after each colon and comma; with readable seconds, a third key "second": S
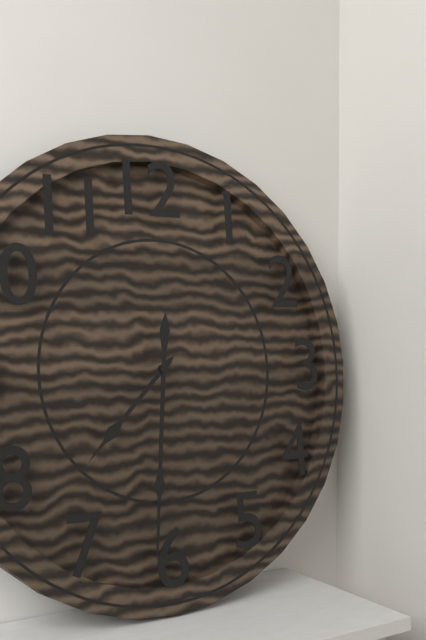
{"hour": 7, "minute": 31}
